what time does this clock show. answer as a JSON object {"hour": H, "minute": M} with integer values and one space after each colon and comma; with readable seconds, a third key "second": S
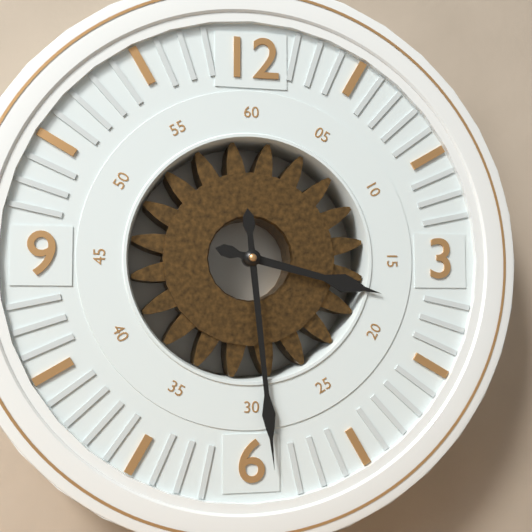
{"hour": 3, "minute": 29}
